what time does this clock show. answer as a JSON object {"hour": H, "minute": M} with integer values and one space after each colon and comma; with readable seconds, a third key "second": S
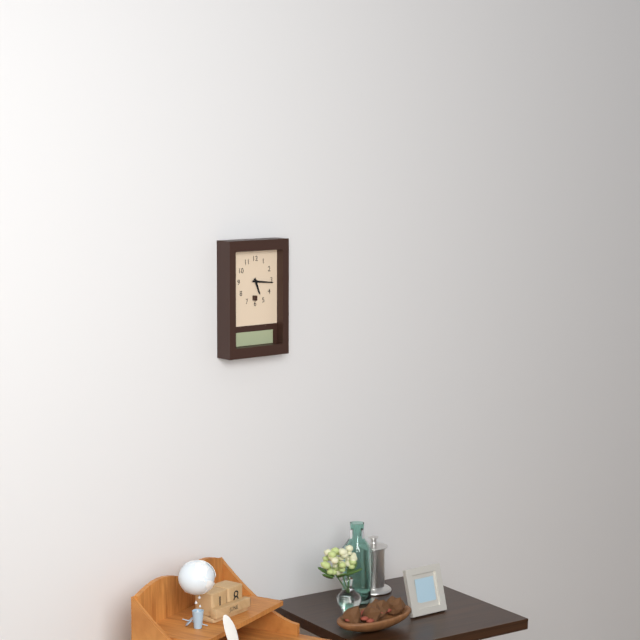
{"hour": 5, "minute": 16}
